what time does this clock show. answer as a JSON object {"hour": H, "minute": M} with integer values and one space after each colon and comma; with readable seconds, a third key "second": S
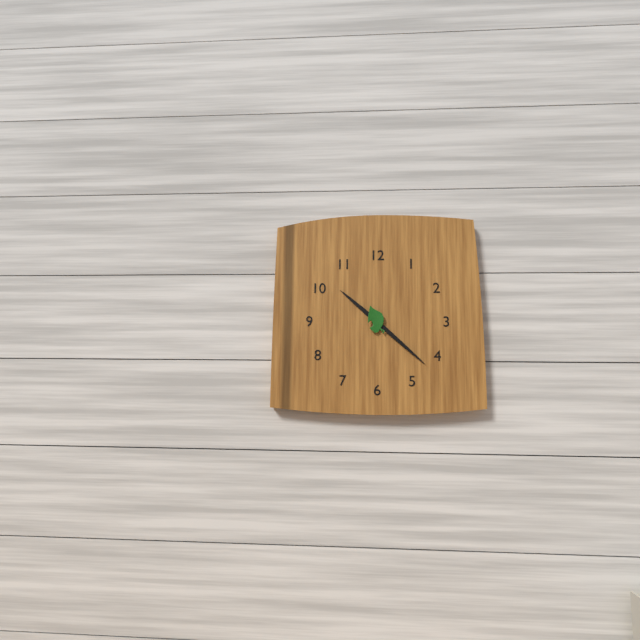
{"hour": 10, "minute": 22}
